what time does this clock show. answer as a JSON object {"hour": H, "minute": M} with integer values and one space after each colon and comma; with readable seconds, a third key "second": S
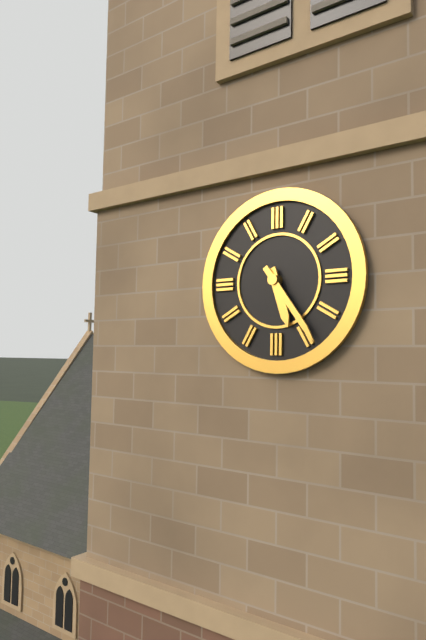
{"hour": 5, "minute": 24}
